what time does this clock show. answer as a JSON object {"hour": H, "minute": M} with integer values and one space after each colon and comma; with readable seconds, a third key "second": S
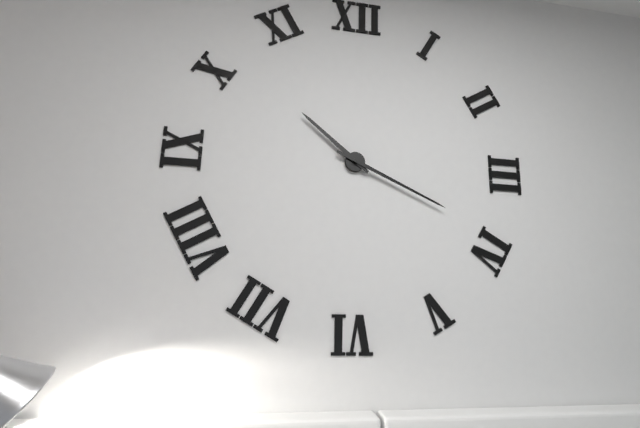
{"hour": 10, "minute": 19}
